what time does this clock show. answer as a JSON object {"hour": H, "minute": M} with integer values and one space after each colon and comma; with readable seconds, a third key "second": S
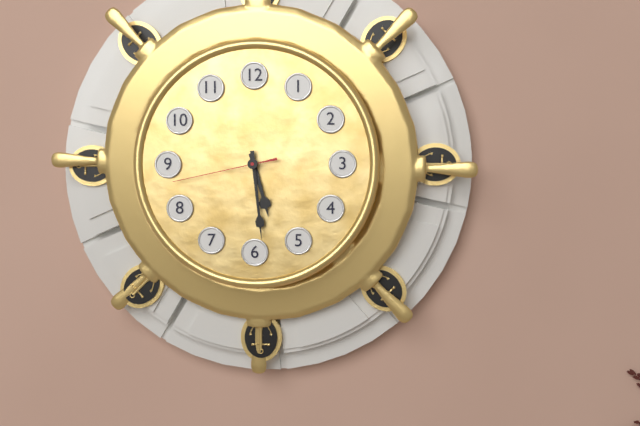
{"hour": 5, "minute": 29, "second": 43}
